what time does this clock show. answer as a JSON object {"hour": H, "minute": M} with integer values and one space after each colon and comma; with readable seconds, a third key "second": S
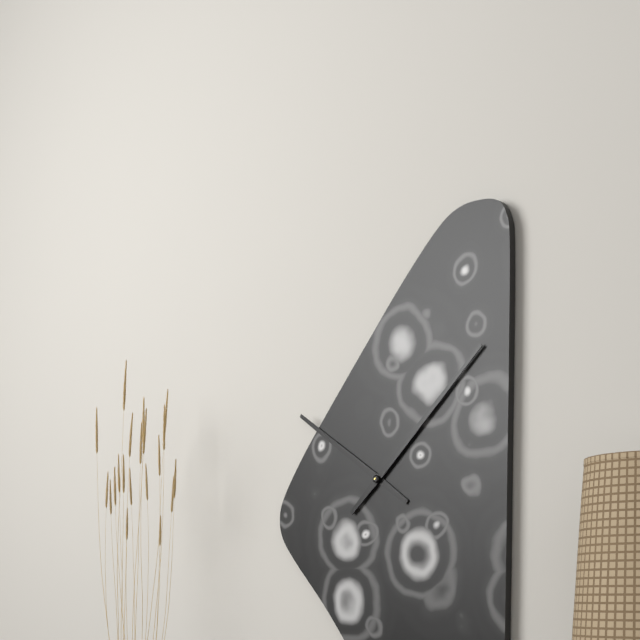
{"hour": 10, "minute": 8}
